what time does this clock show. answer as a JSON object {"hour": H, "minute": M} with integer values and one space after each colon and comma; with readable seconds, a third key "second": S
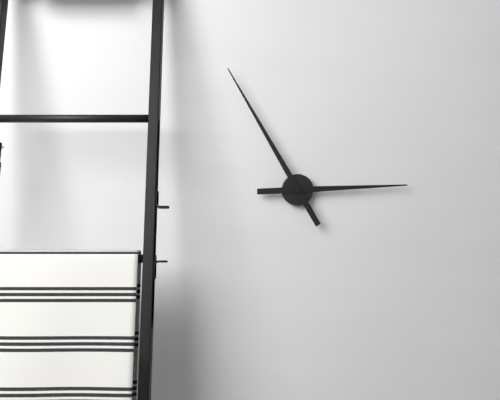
{"hour": 2, "minute": 55}
